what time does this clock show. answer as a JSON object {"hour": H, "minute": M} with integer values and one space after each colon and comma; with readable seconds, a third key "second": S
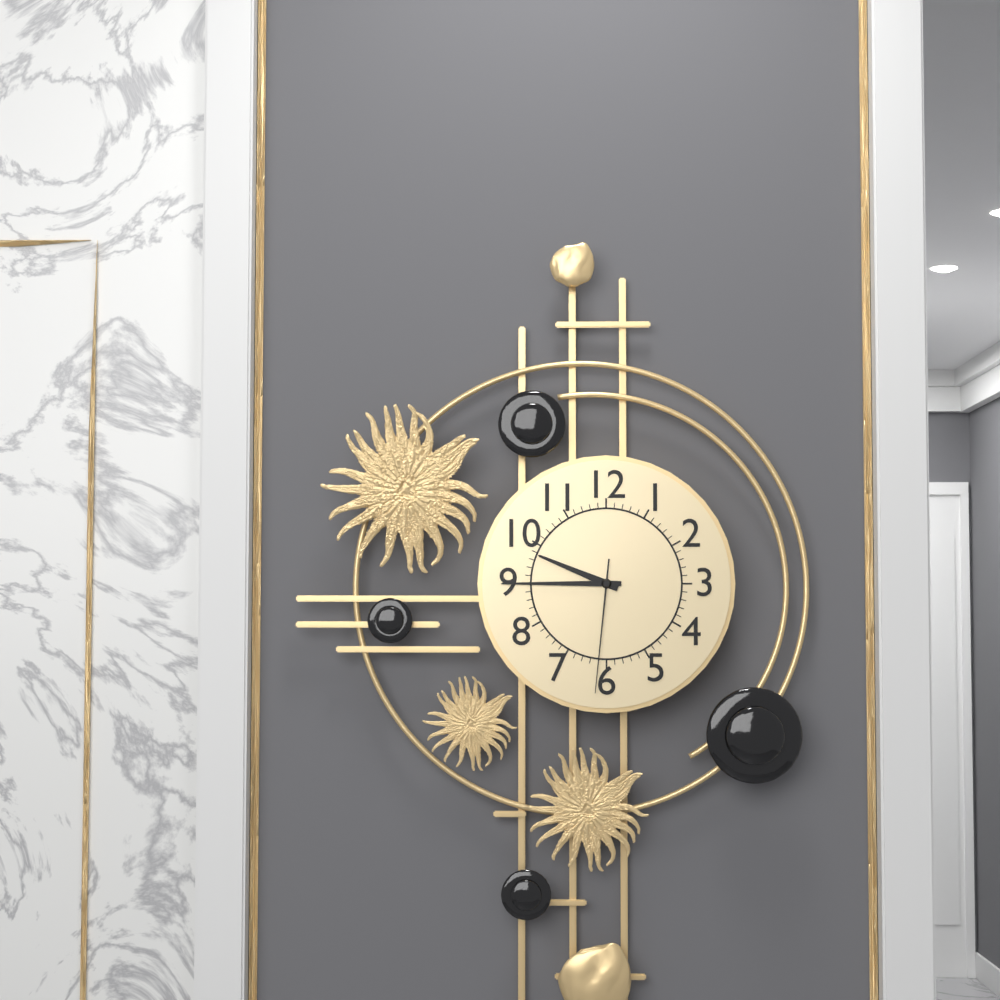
{"hour": 9, "minute": 45, "second": 31}
